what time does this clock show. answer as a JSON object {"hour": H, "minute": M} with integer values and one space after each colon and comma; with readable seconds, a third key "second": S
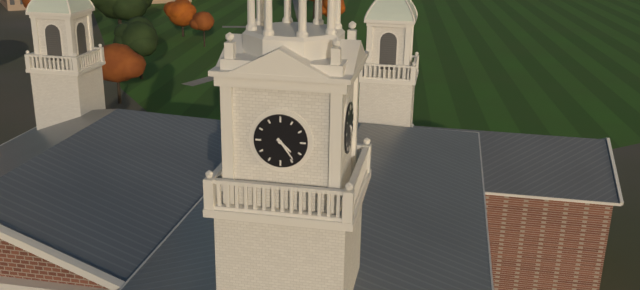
{"hour": 4, "minute": 24}
